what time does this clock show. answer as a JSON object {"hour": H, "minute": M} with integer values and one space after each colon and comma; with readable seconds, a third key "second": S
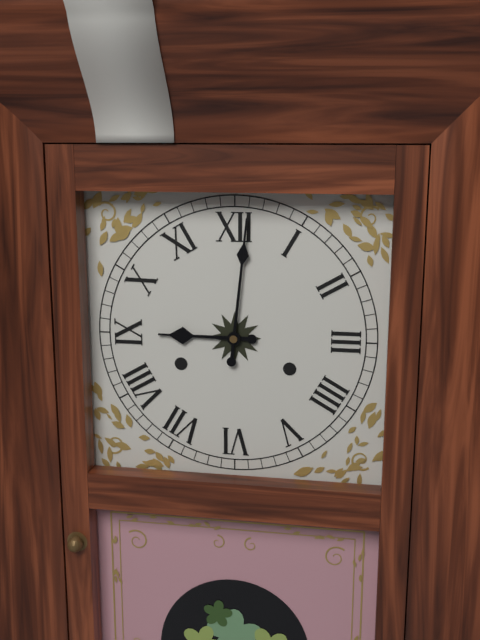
{"hour": 9, "minute": 1}
